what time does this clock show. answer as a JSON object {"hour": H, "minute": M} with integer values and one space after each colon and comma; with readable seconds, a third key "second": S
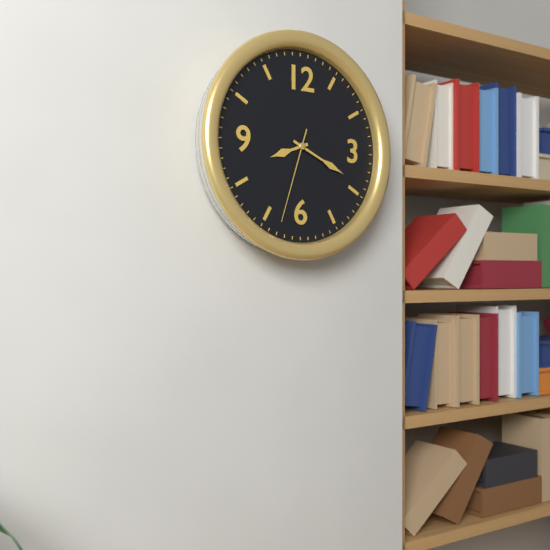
{"hour": 8, "minute": 19, "second": 33}
